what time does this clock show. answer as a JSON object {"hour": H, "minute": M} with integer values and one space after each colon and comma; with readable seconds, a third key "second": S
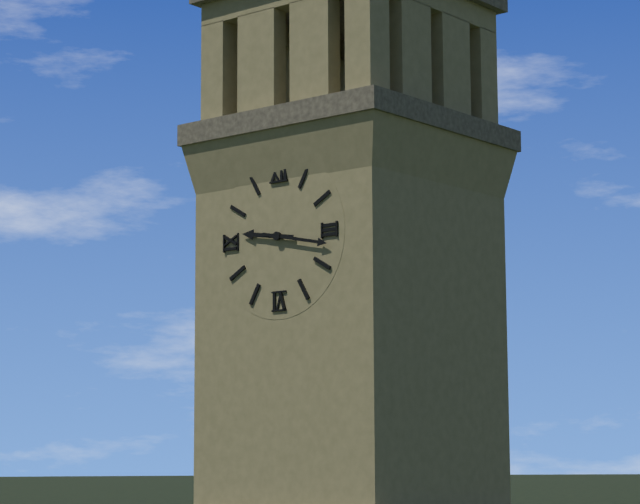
{"hour": 9, "minute": 17}
